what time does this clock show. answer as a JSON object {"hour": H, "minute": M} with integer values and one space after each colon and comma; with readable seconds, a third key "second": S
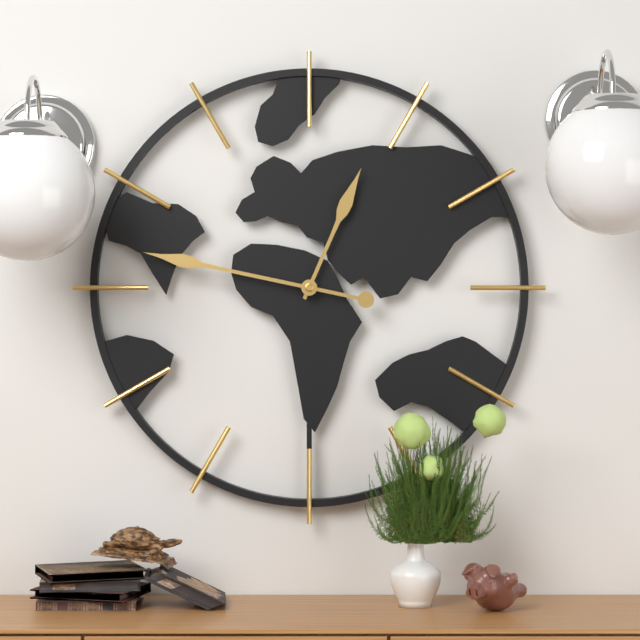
{"hour": 12, "minute": 47}
